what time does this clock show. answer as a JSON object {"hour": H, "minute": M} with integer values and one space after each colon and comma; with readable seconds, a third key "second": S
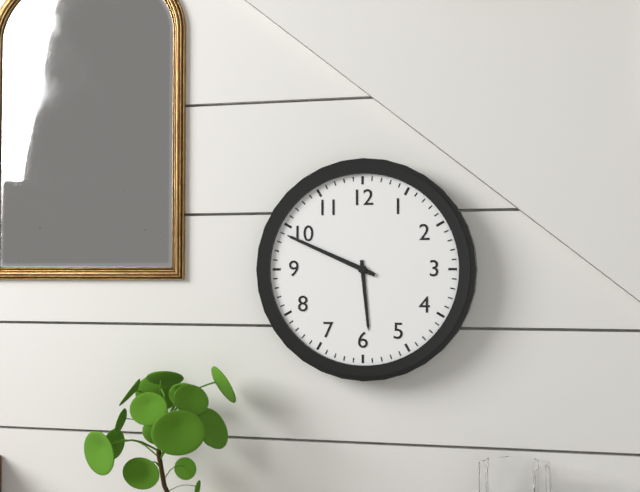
{"hour": 5, "minute": 49}
